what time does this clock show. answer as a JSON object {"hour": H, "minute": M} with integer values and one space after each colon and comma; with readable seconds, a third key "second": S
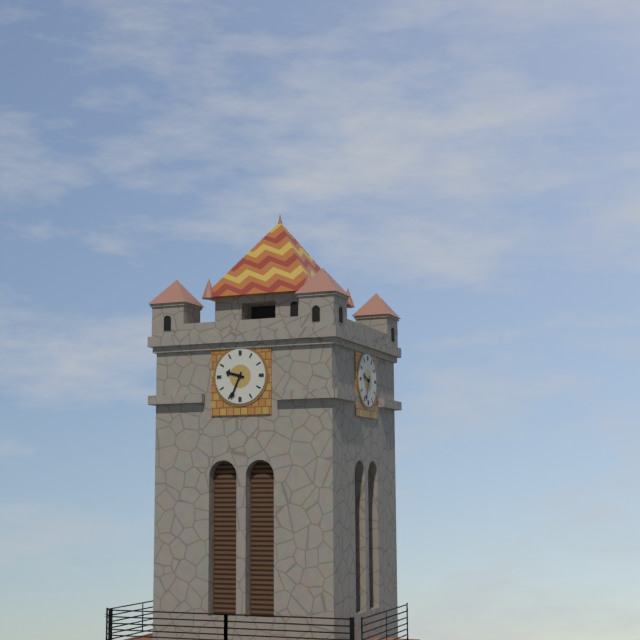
{"hour": 9, "minute": 34}
